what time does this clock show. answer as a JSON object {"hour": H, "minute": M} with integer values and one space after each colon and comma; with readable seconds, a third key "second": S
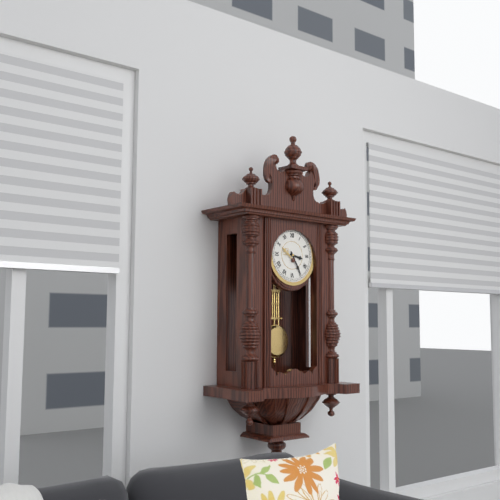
{"hour": 3, "minute": 25}
